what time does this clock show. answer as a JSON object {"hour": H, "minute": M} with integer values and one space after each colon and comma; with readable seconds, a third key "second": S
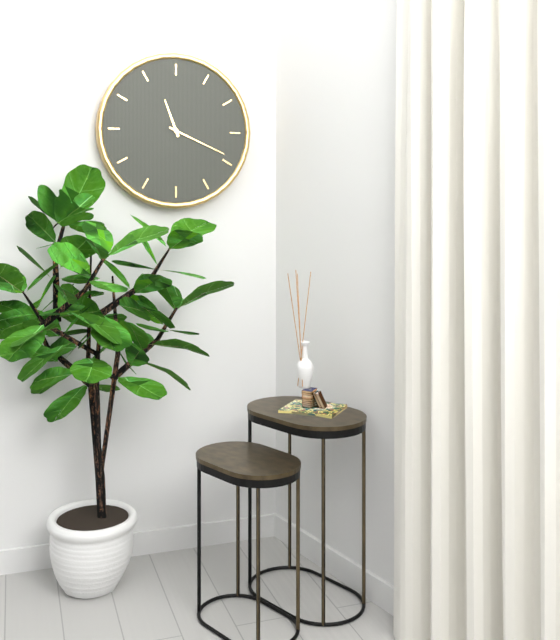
{"hour": 11, "minute": 19}
